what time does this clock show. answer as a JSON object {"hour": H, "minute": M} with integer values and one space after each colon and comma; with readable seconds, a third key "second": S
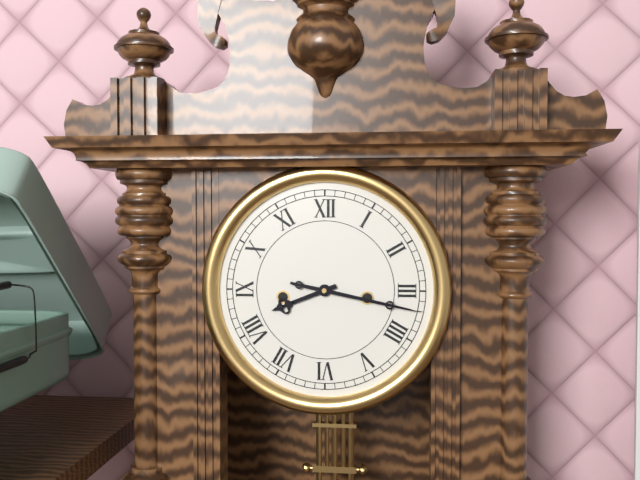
{"hour": 8, "minute": 17}
